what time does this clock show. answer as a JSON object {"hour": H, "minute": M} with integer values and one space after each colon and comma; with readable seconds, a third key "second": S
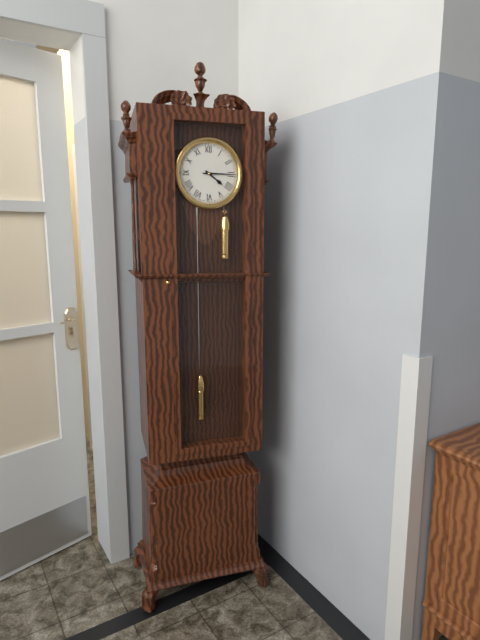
{"hour": 4, "minute": 15}
